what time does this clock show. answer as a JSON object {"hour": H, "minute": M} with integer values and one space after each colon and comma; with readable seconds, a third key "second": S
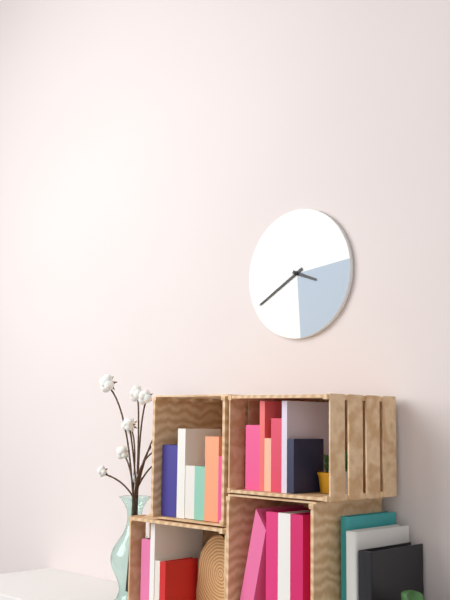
{"hour": 3, "minute": 40}
